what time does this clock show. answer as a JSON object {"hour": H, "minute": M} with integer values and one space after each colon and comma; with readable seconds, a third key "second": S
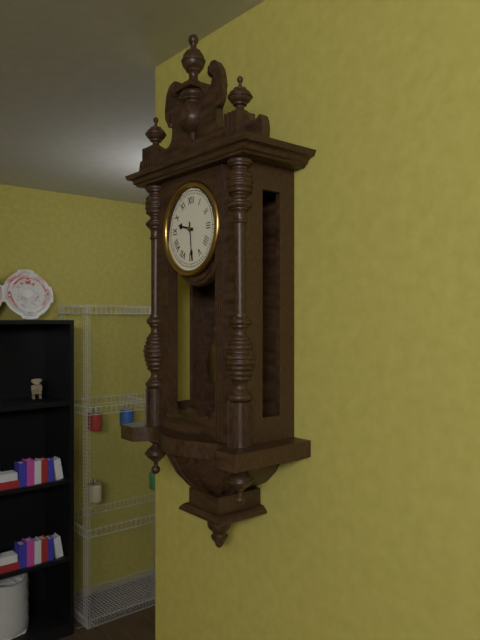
{"hour": 9, "minute": 29}
